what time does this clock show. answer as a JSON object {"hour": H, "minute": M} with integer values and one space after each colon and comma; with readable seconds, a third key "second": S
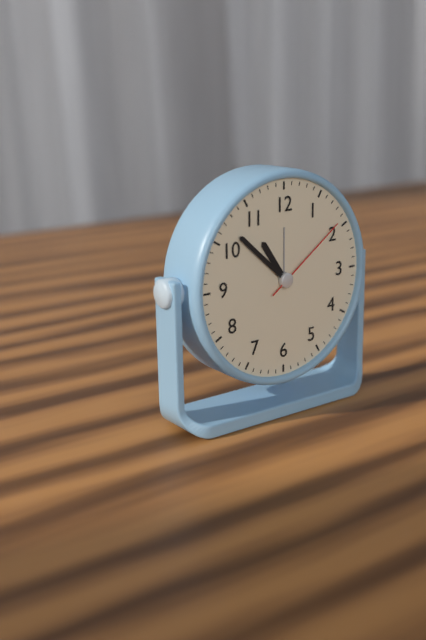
{"hour": 10, "minute": 52, "second": 9}
